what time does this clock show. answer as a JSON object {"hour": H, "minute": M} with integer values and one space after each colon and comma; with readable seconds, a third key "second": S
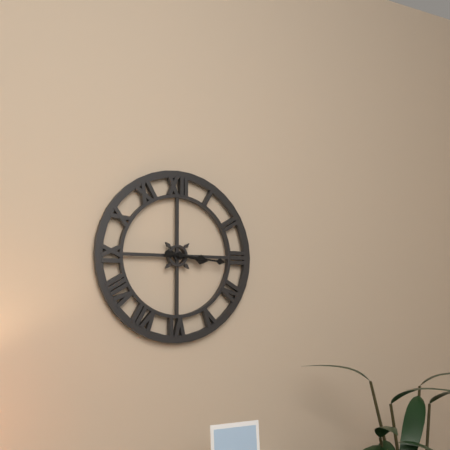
{"hour": 3, "minute": 16}
